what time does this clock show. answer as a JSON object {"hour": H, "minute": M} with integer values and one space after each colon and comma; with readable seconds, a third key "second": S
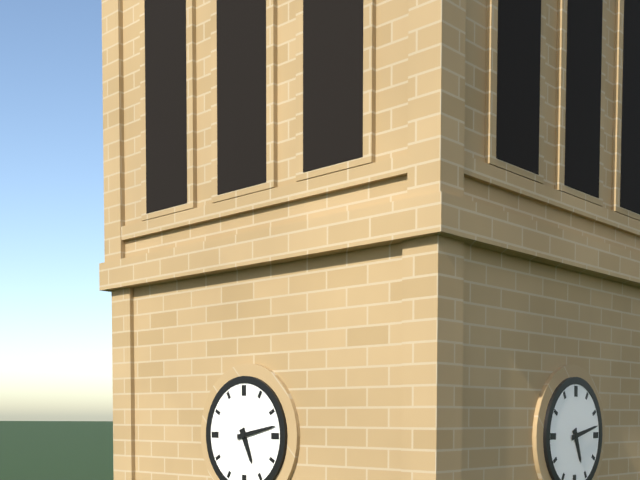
{"hour": 5, "minute": 13}
